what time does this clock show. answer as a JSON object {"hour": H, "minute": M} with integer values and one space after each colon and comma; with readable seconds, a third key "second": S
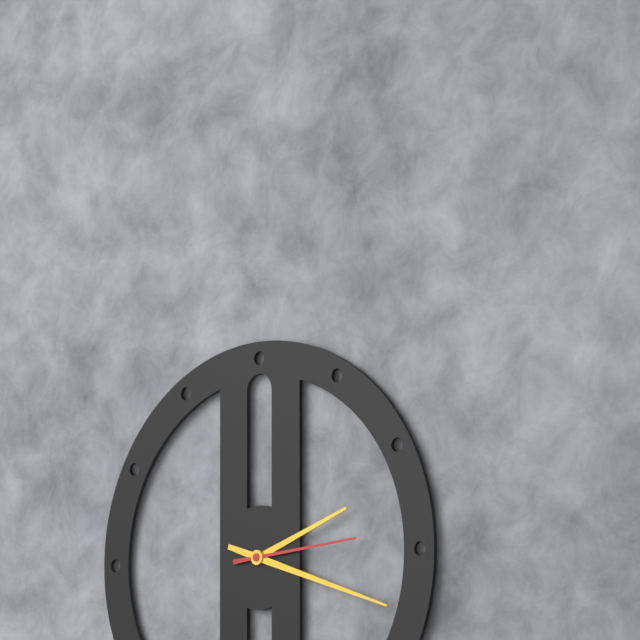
{"hour": 2, "minute": 18, "second": 14}
